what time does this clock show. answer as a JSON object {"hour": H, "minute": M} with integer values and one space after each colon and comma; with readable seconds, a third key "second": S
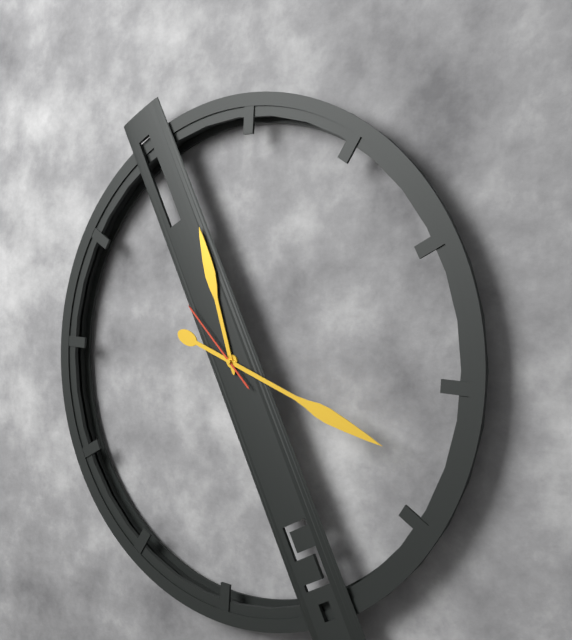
{"hour": 11, "minute": 18, "second": 52}
